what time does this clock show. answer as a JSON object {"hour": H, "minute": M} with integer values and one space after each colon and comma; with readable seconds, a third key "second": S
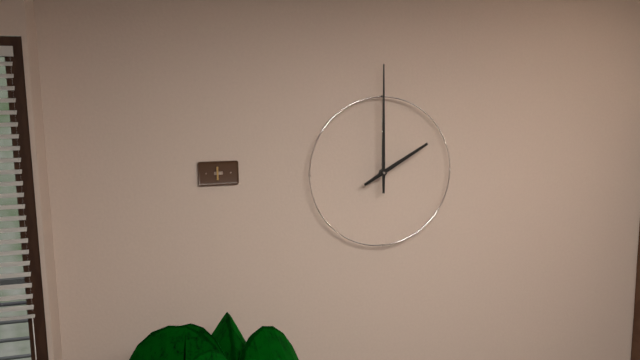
{"hour": 2, "minute": 0}
